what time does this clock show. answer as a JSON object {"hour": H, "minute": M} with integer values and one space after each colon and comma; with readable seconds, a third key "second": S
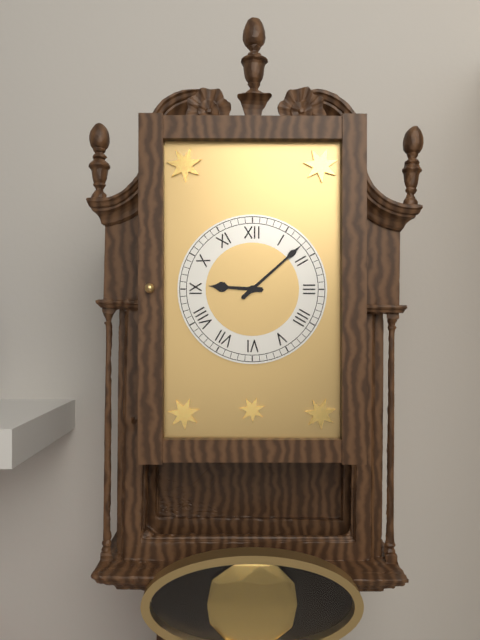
{"hour": 9, "minute": 8}
